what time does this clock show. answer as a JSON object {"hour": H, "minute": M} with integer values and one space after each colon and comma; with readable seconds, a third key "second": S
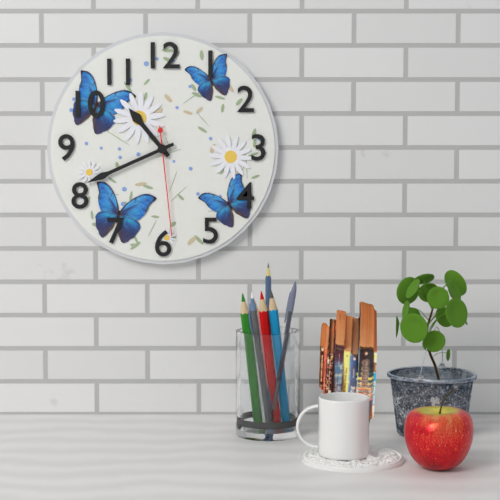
{"hour": 10, "minute": 41, "second": 29}
